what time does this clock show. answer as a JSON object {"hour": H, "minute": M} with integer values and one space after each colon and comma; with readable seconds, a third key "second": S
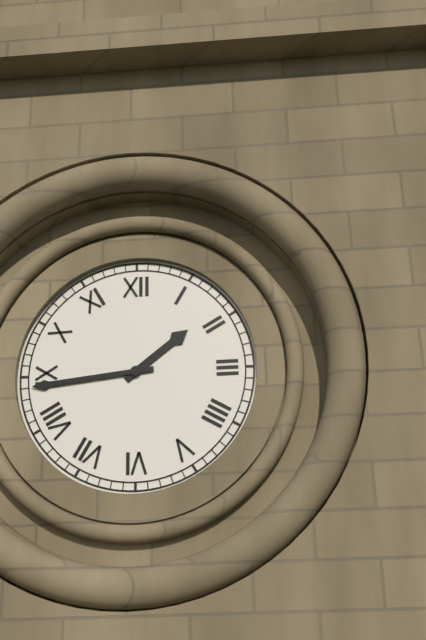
{"hour": 1, "minute": 44}
